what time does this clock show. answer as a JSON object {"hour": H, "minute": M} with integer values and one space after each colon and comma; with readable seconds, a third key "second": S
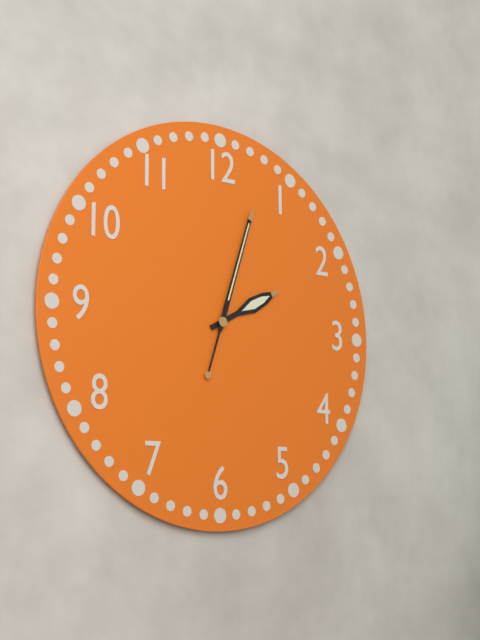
{"hour": 2, "minute": 3}
